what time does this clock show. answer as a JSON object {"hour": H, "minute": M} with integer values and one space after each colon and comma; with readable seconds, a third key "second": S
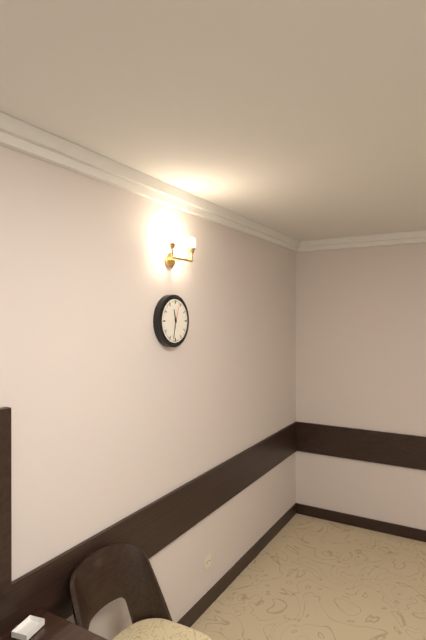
{"hour": 11, "minute": 32}
